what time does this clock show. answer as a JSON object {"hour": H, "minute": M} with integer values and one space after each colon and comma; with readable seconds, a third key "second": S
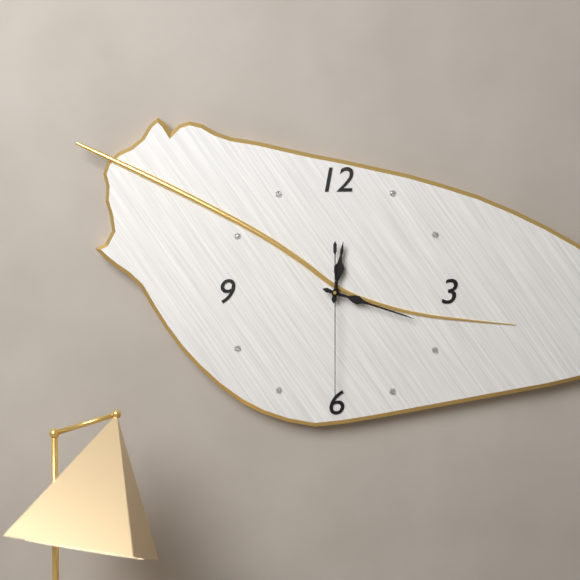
{"hour": 12, "minute": 18, "second": 30}
